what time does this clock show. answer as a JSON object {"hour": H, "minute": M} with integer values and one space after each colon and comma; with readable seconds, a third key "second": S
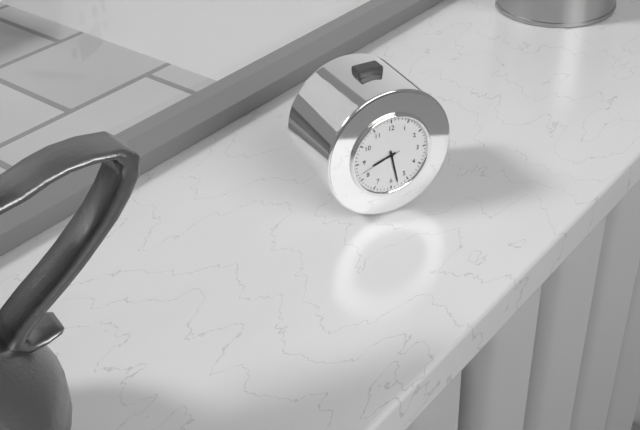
{"hour": 8, "minute": 28}
